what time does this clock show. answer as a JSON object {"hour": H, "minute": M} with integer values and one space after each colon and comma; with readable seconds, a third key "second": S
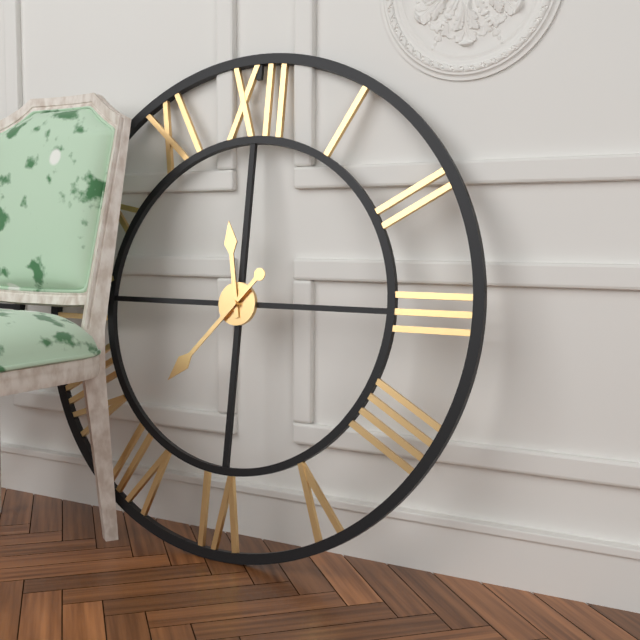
{"hour": 11, "minute": 37}
